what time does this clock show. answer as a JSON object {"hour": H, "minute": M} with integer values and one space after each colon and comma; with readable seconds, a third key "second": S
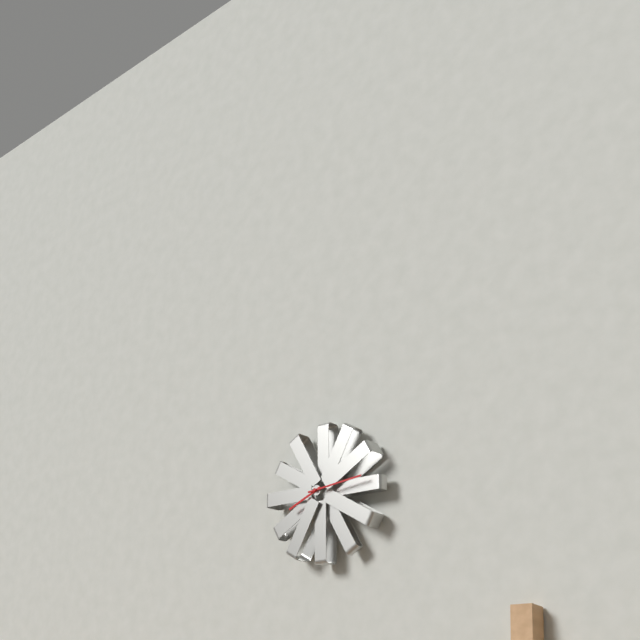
{"hour": 8, "minute": 14}
